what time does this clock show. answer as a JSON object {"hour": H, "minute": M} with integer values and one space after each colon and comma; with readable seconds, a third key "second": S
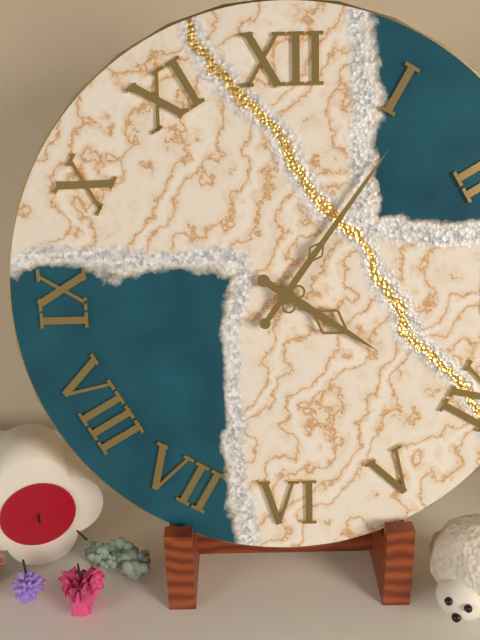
{"hour": 4, "minute": 6}
